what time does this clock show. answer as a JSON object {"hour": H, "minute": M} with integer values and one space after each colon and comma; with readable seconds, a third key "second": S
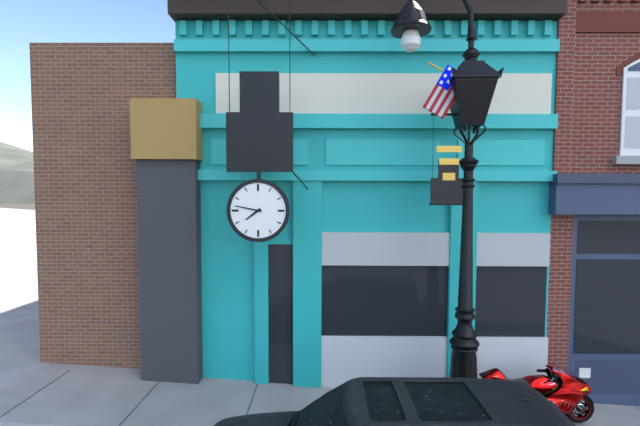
{"hour": 7, "minute": 47}
